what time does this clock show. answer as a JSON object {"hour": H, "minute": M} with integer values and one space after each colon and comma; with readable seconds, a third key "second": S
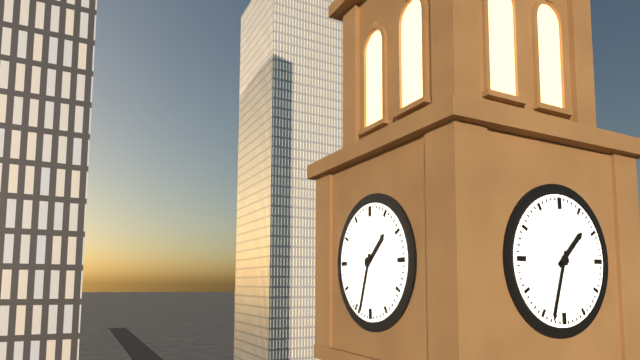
{"hour": 1, "minute": 33}
